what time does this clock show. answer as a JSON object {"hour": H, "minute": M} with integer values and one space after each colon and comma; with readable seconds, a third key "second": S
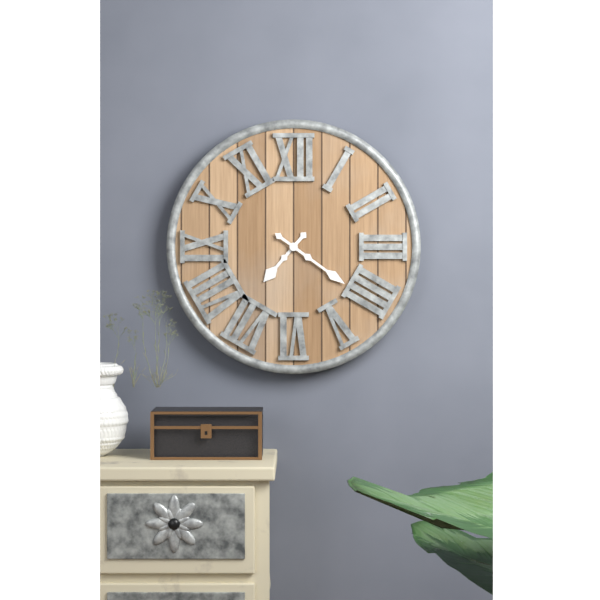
{"hour": 7, "minute": 21}
